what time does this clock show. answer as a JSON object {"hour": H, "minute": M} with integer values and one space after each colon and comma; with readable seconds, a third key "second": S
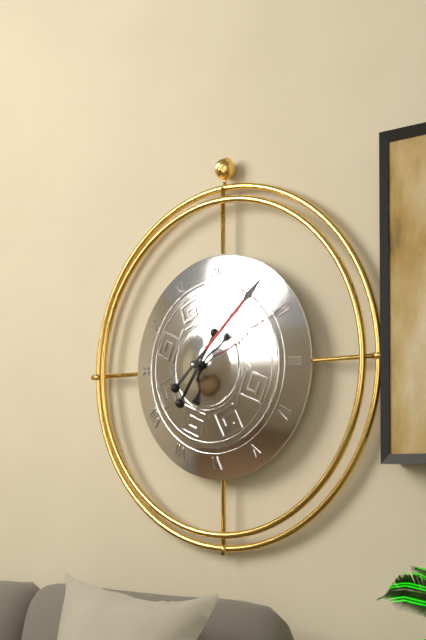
{"hour": 7, "minute": 8}
